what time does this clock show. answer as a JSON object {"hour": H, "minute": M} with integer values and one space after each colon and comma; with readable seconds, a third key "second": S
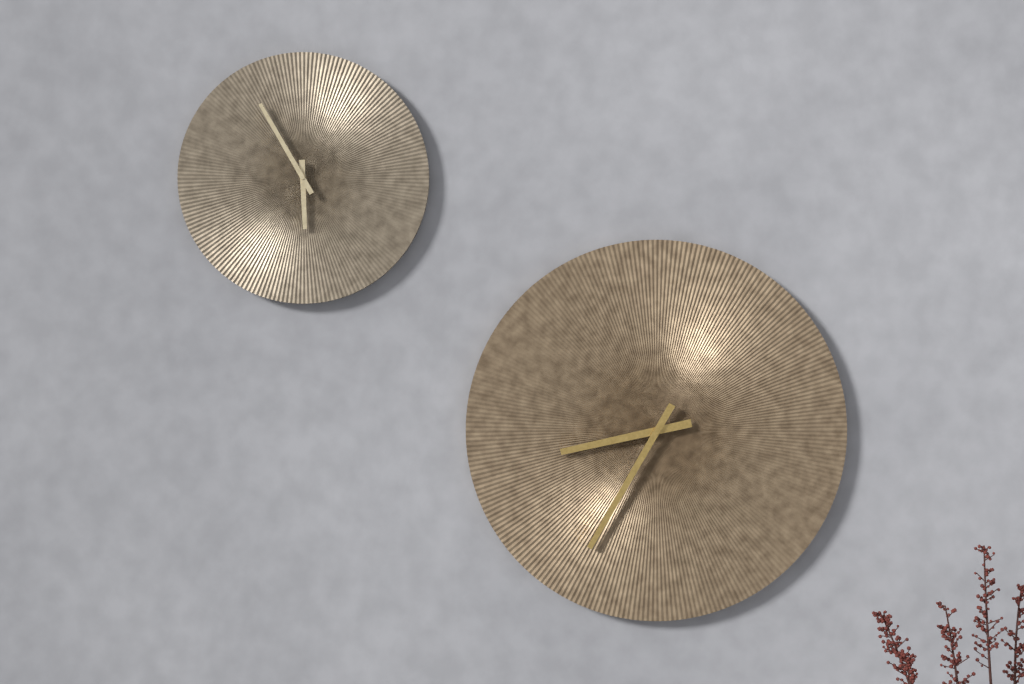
{"hour": 8, "minute": 35}
